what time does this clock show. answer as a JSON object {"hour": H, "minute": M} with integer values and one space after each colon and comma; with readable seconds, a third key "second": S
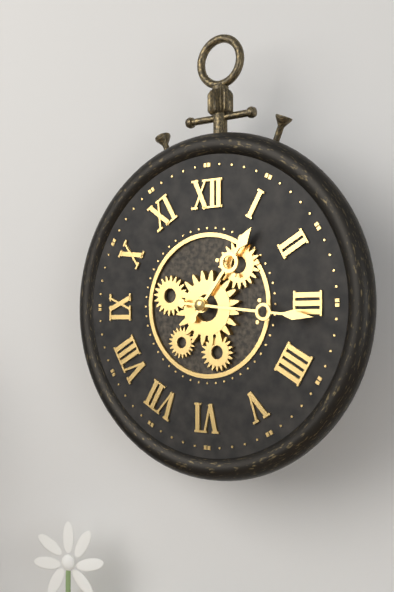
{"hour": 1, "minute": 16}
